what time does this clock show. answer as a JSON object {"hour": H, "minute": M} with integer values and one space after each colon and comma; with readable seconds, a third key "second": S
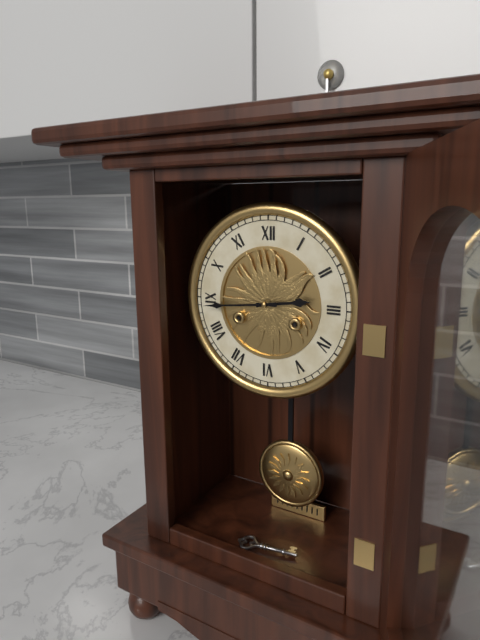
{"hour": 2, "minute": 44}
